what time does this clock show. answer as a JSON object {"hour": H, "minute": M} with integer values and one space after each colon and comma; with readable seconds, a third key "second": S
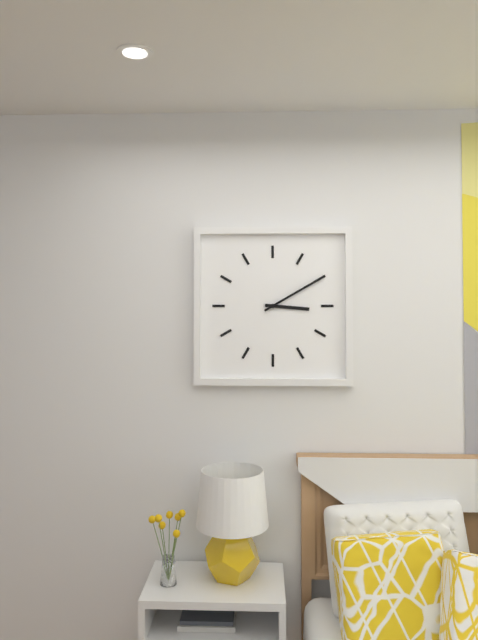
{"hour": 3, "minute": 10}
